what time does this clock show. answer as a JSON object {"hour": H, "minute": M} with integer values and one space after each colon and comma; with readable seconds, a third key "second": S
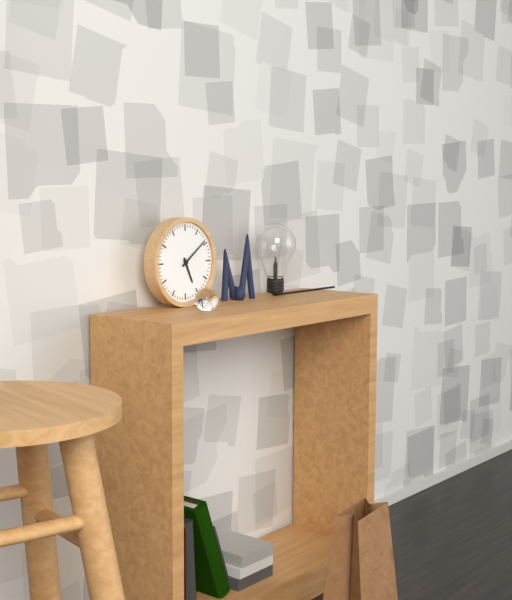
{"hour": 5, "minute": 9}
